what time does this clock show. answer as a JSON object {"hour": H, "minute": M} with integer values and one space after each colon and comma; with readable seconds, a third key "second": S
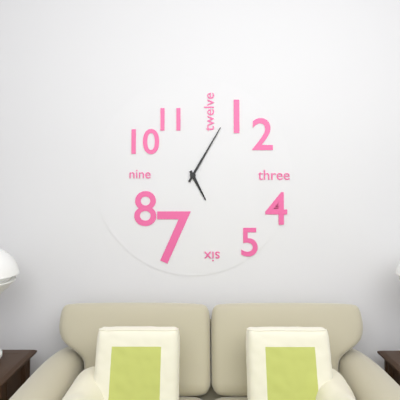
{"hour": 5, "minute": 5}
